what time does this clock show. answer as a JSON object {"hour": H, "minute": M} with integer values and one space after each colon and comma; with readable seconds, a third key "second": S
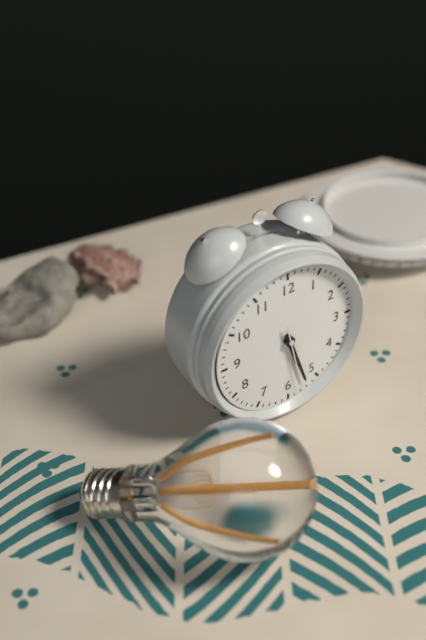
{"hour": 5, "minute": 27, "second": 28}
